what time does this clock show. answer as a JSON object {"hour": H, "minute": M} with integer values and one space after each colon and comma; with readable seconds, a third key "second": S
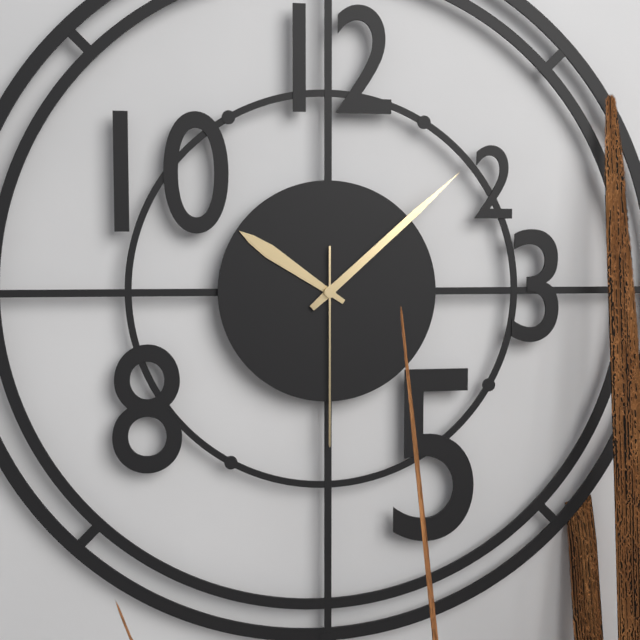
{"hour": 10, "minute": 8, "second": 30}
